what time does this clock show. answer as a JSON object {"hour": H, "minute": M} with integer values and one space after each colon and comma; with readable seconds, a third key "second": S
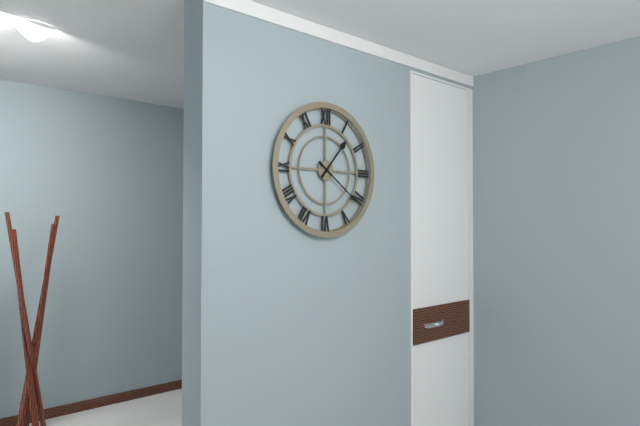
{"hour": 1, "minute": 21}
